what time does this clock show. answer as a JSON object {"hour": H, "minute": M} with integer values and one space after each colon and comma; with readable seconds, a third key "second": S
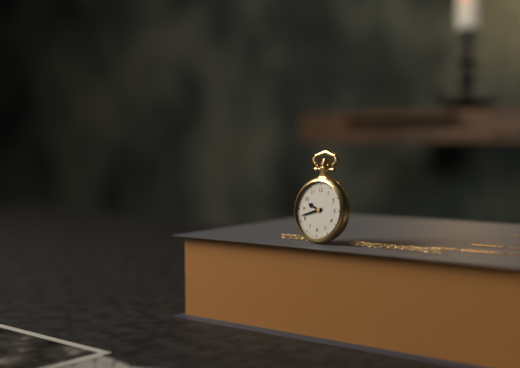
{"hour": 9, "minute": 42}
